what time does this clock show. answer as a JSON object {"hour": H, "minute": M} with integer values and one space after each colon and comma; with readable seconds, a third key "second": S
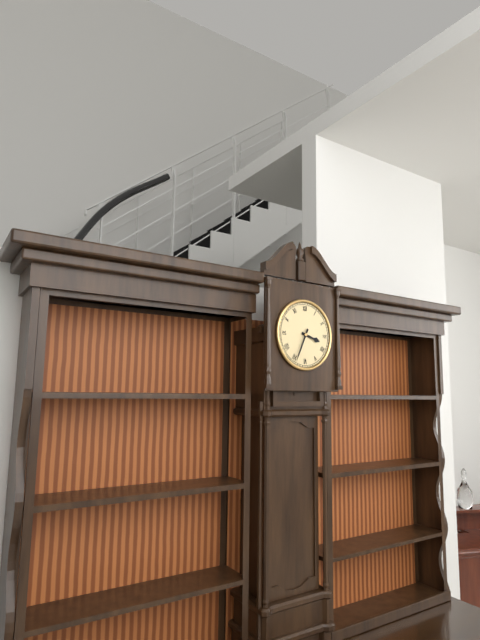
{"hour": 3, "minute": 34}
